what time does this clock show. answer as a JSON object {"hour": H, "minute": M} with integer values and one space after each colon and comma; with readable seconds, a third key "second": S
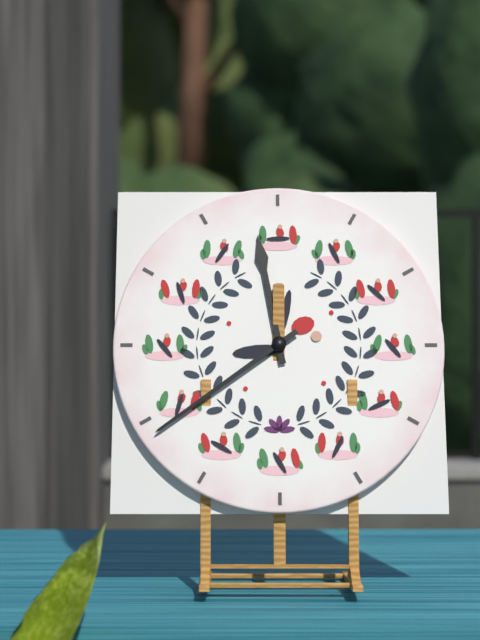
{"hour": 11, "minute": 39}
